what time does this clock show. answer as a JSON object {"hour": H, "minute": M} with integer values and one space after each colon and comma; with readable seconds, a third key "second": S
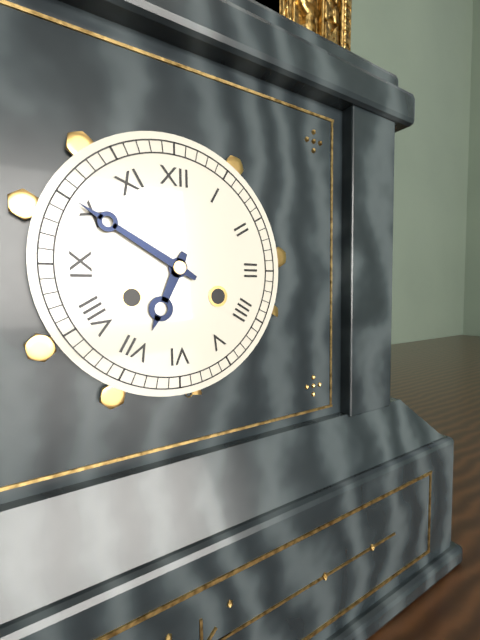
{"hour": 6, "minute": 50}
